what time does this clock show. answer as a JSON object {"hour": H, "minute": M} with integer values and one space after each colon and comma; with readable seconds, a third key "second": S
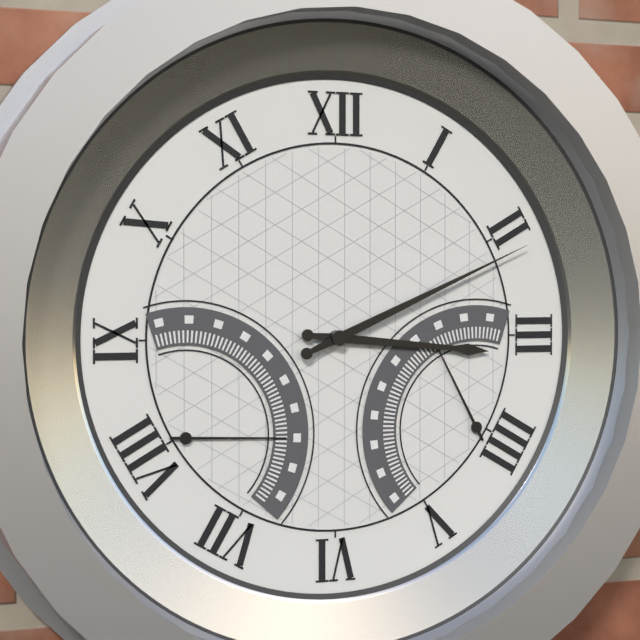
{"hour": 3, "minute": 11}
